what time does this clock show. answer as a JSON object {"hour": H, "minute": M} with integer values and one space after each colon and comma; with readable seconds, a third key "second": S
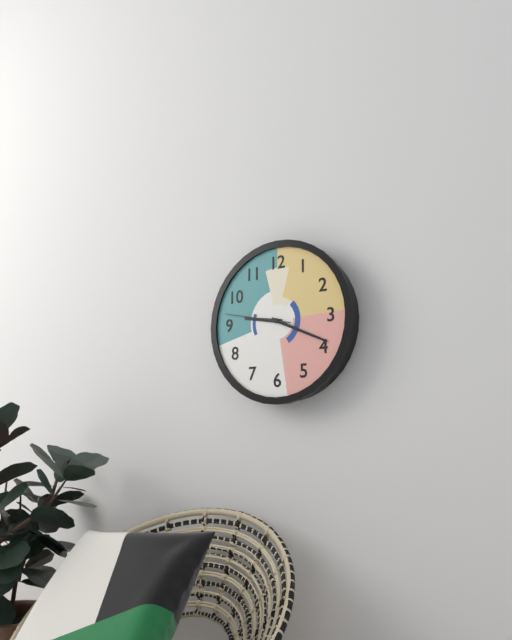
{"hour": 9, "minute": 19, "second": 47}
